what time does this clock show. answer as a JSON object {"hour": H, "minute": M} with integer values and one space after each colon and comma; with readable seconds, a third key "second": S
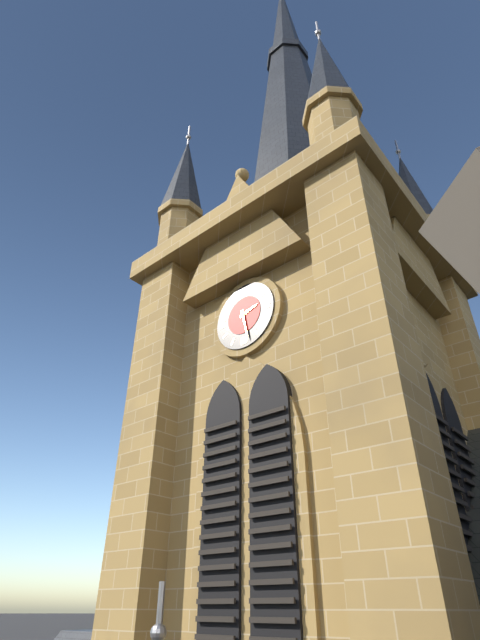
{"hour": 2, "minute": 28}
